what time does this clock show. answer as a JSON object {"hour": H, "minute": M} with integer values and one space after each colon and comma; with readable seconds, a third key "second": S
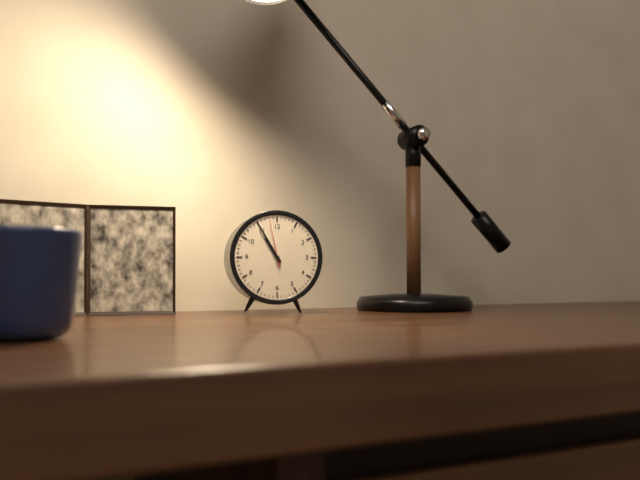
{"hour": 10, "minute": 55}
